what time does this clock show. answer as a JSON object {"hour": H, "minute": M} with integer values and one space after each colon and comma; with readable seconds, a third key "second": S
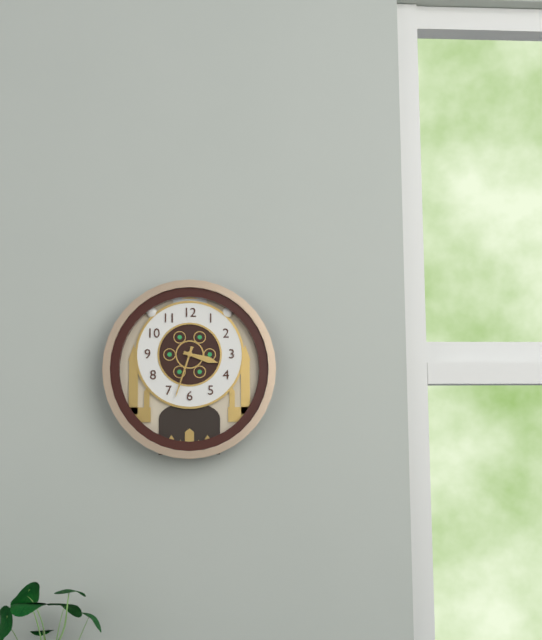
{"hour": 3, "minute": 33}
